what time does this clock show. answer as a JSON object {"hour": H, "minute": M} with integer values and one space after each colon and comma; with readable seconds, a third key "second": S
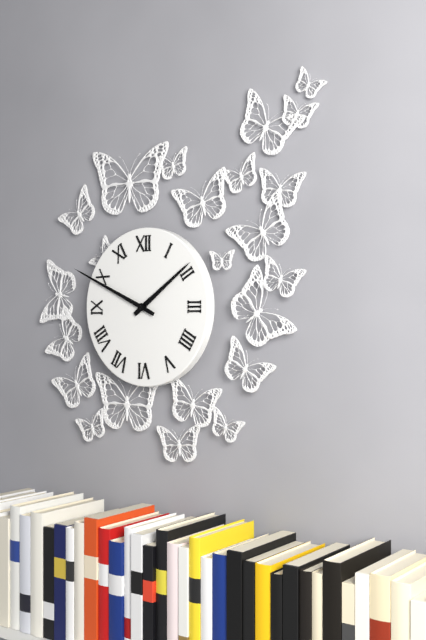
{"hour": 1, "minute": 49}
